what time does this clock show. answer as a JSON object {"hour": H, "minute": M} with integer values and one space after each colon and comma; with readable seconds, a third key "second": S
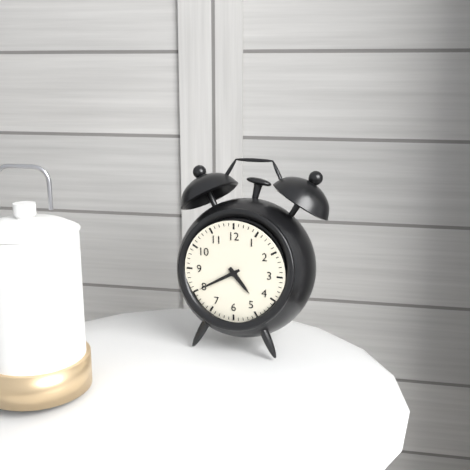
{"hour": 4, "minute": 40}
